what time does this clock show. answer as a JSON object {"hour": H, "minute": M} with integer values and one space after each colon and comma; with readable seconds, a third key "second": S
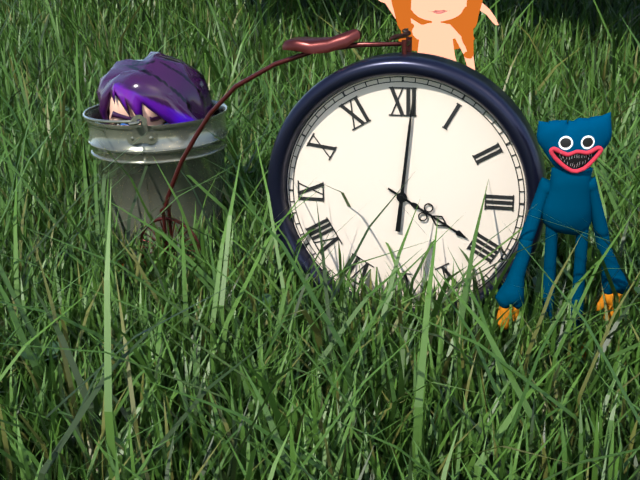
{"hour": 4, "minute": 1}
